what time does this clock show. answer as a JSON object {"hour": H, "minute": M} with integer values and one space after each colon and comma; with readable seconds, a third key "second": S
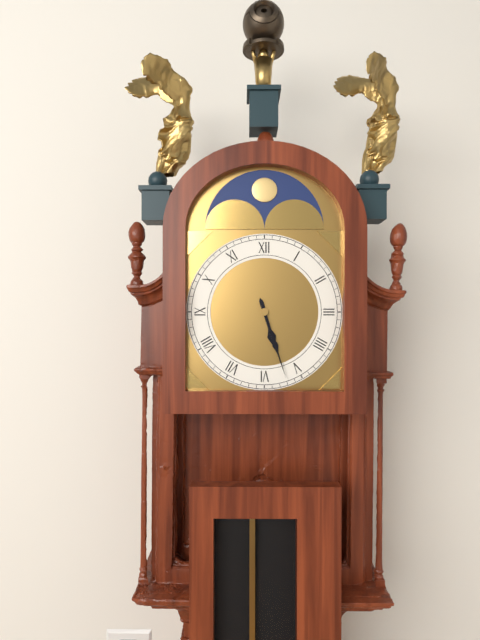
{"hour": 5, "minute": 27}
